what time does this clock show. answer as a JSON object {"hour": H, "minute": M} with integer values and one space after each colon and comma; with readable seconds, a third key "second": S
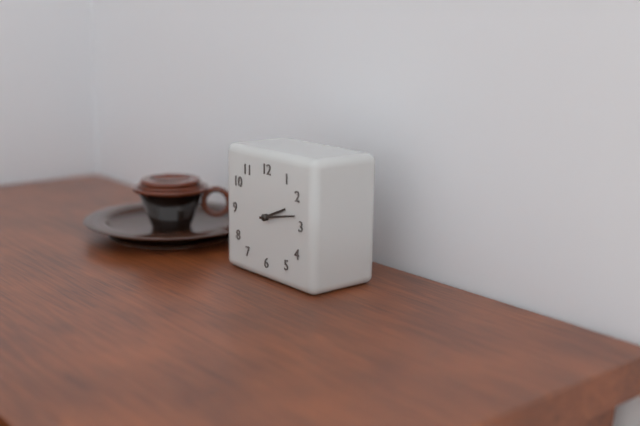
{"hour": 2, "minute": 13}
